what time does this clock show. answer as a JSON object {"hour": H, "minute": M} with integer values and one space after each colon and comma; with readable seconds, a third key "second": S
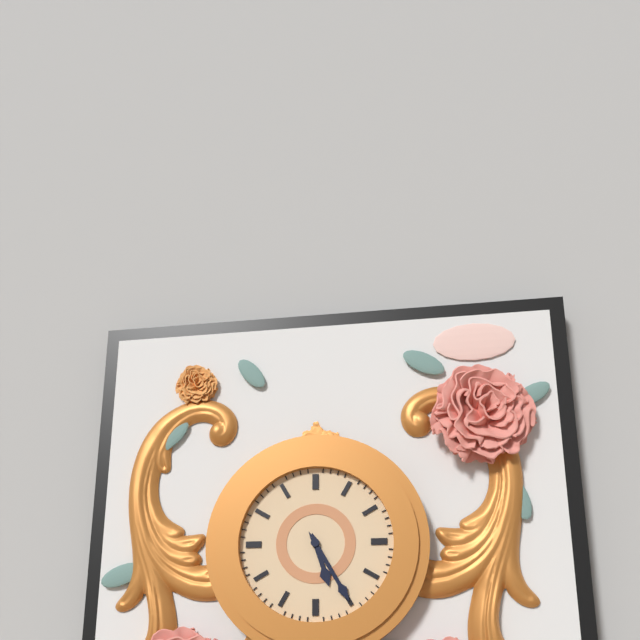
{"hour": 5, "minute": 25}
